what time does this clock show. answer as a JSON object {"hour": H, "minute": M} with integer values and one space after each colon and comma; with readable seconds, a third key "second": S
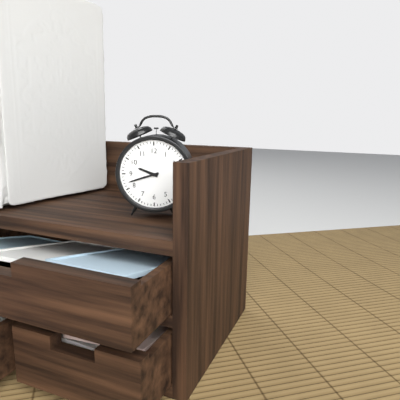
{"hour": 9, "minute": 42}
